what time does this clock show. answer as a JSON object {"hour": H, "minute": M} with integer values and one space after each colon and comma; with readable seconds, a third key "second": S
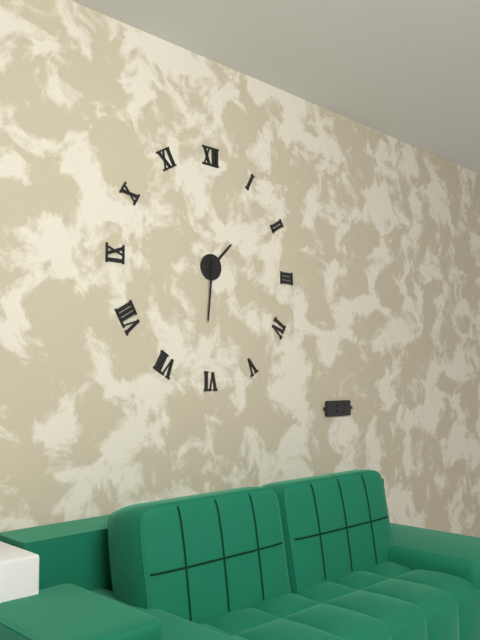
{"hour": 1, "minute": 31}
